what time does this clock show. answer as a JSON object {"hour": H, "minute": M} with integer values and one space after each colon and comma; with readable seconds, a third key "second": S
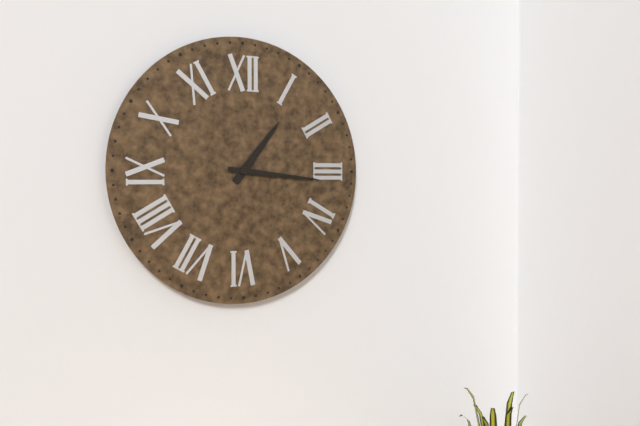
{"hour": 1, "minute": 16}
